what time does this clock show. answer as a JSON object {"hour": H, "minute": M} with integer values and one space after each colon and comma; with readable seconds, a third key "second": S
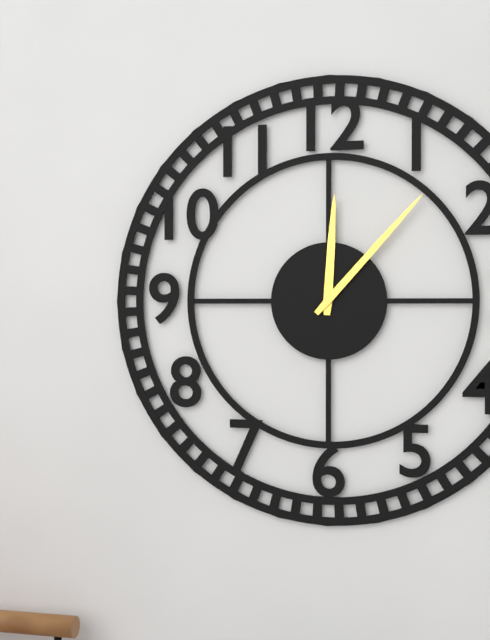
{"hour": 12, "minute": 7}
